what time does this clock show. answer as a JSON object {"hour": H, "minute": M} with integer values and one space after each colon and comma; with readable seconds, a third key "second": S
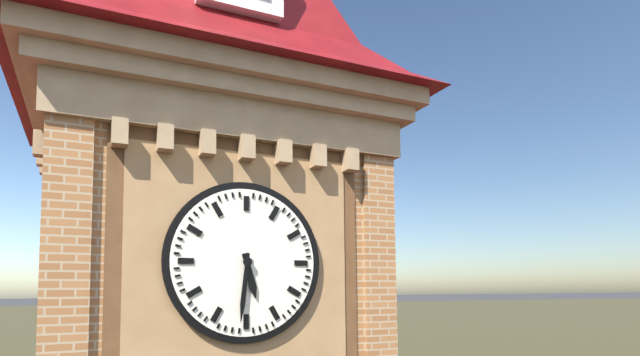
{"hour": 5, "minute": 31}
